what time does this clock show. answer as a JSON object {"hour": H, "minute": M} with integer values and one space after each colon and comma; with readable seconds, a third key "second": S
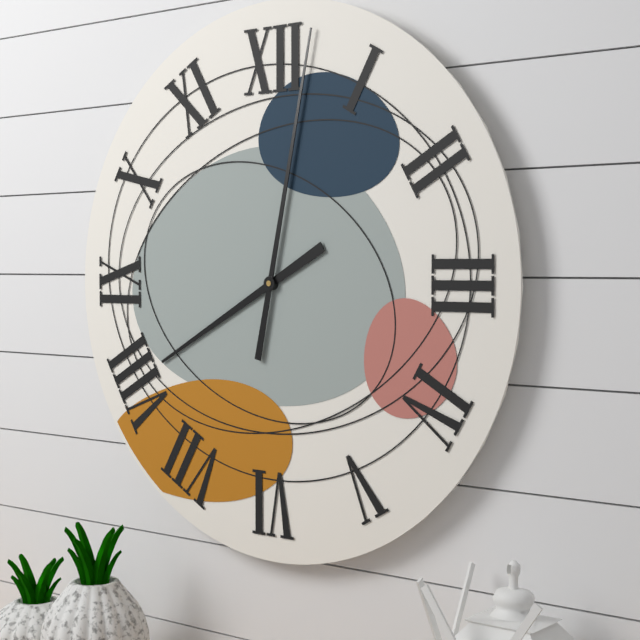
{"hour": 8, "minute": 2}
